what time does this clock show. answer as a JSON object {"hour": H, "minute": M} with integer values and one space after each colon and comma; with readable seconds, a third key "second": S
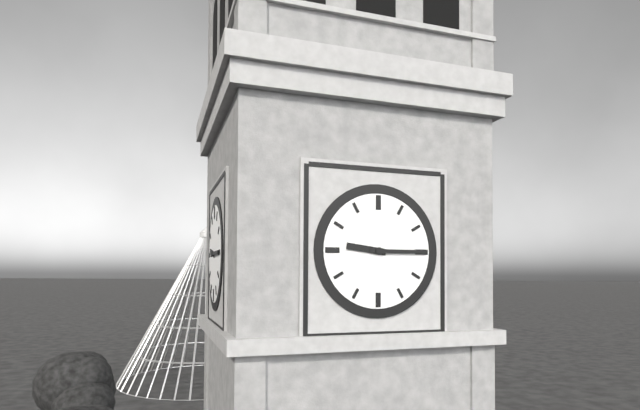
{"hour": 9, "minute": 15}
